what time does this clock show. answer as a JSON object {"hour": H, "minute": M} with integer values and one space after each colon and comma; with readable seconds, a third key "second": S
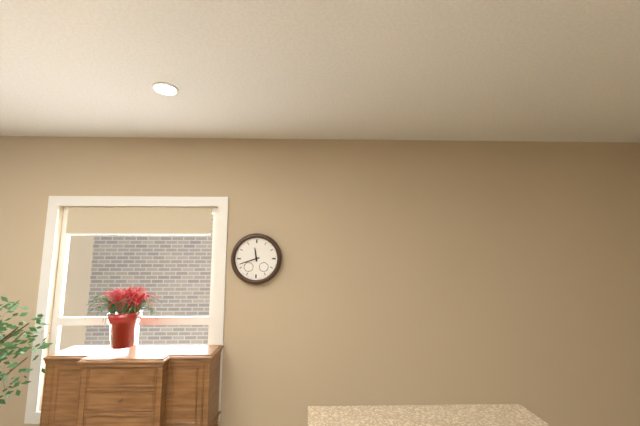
{"hour": 11, "minute": 42}
